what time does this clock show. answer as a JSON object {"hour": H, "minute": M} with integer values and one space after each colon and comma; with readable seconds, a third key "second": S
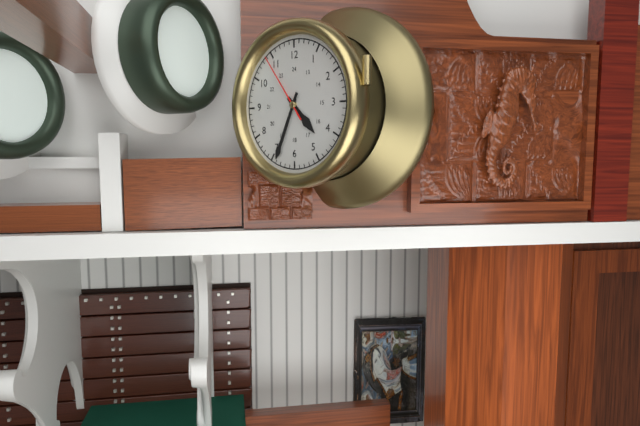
{"hour": 4, "minute": 34, "second": 54}
